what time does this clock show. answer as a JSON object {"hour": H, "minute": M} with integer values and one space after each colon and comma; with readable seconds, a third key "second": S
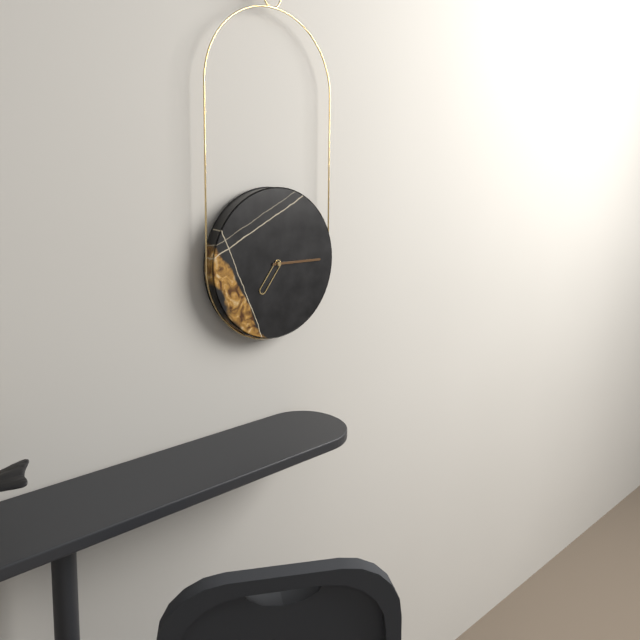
{"hour": 7, "minute": 15}
